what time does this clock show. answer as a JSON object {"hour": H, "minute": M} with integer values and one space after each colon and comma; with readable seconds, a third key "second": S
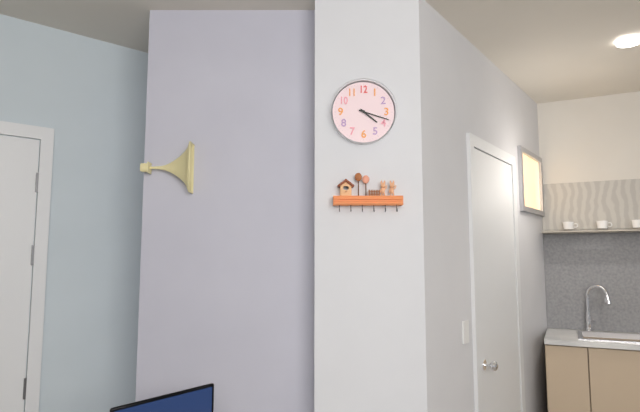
{"hour": 4, "minute": 18}
